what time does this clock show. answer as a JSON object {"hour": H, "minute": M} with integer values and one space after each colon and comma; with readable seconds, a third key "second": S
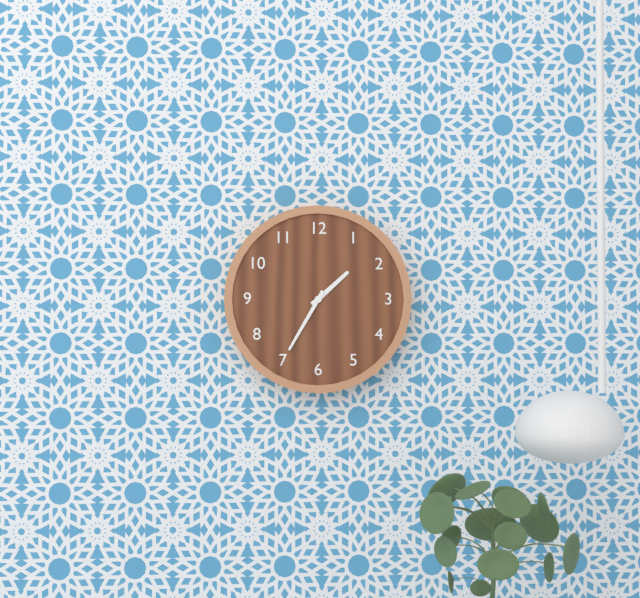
{"hour": 1, "minute": 35}
